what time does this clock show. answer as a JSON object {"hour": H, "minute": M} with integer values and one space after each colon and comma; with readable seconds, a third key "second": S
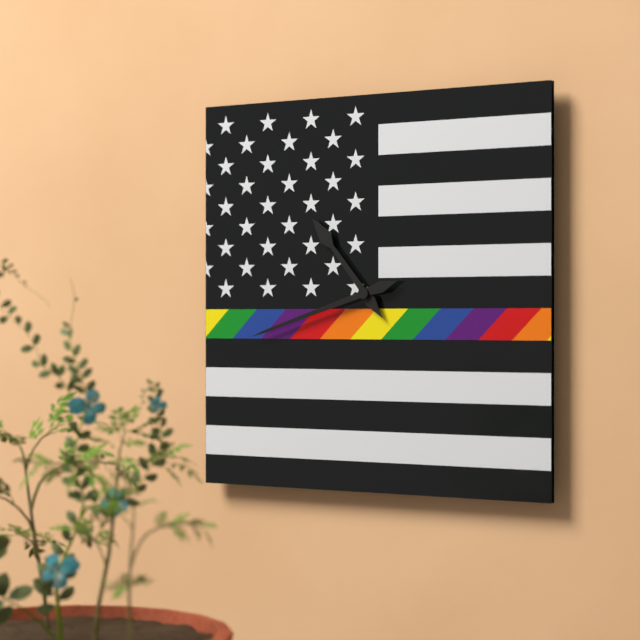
{"hour": 10, "minute": 42}
